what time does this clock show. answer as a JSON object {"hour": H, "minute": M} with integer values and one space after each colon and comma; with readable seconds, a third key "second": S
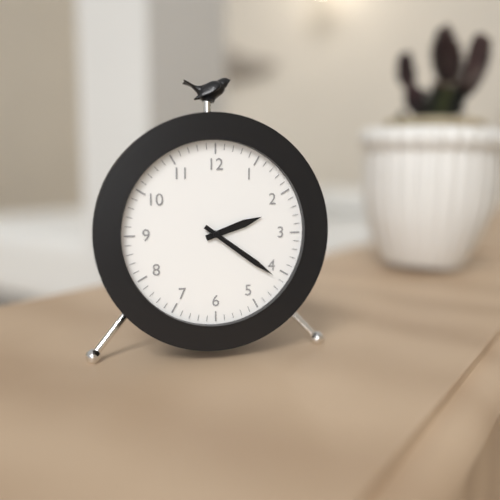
{"hour": 2, "minute": 21}
